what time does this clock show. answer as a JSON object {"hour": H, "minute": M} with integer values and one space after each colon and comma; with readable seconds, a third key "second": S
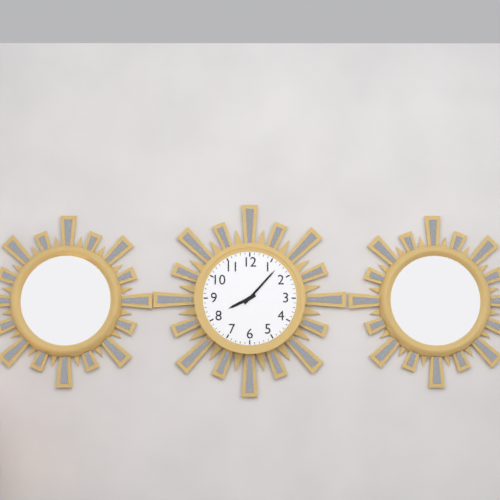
{"hour": 8, "minute": 7}
